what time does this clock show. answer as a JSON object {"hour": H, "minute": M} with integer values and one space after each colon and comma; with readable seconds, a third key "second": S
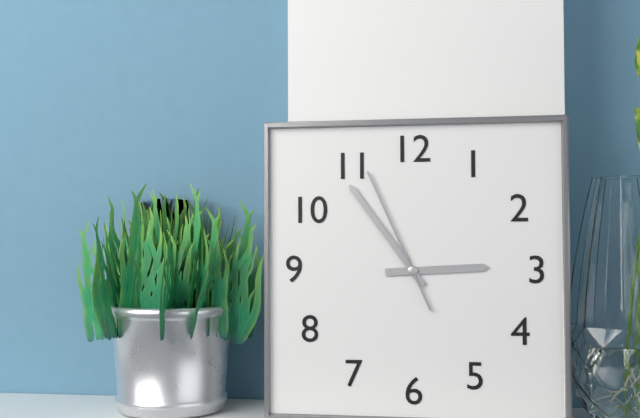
{"hour": 2, "minute": 54, "second": 56}
